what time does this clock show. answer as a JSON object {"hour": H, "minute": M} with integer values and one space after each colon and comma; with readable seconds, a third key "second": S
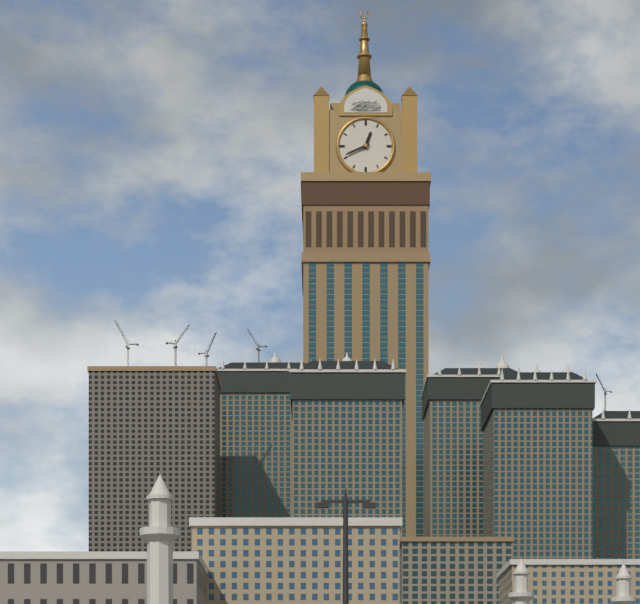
{"hour": 12, "minute": 41}
